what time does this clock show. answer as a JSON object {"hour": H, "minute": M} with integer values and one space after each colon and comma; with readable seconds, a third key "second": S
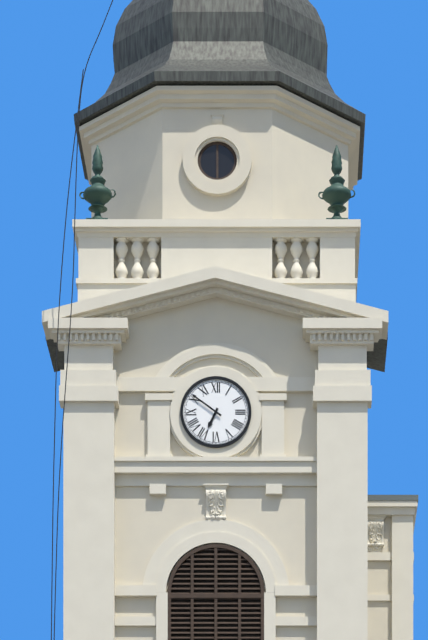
{"hour": 6, "minute": 51}
